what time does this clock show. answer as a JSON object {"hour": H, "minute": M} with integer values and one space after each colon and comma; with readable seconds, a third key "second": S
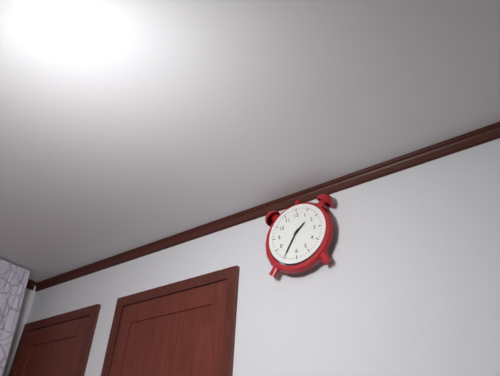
{"hour": 1, "minute": 35}
